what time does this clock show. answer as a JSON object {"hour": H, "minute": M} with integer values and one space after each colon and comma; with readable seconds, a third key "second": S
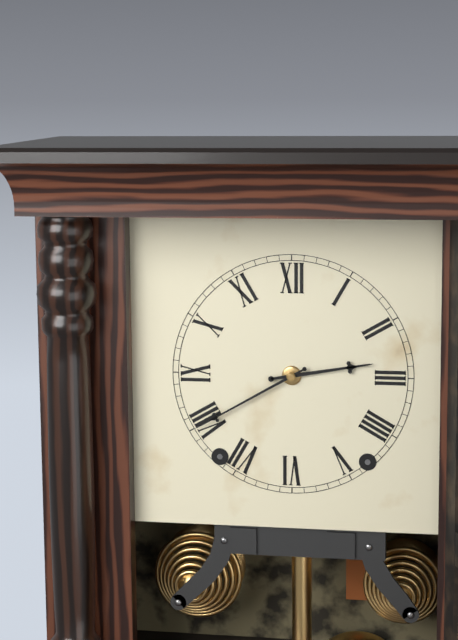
{"hour": 2, "minute": 40}
